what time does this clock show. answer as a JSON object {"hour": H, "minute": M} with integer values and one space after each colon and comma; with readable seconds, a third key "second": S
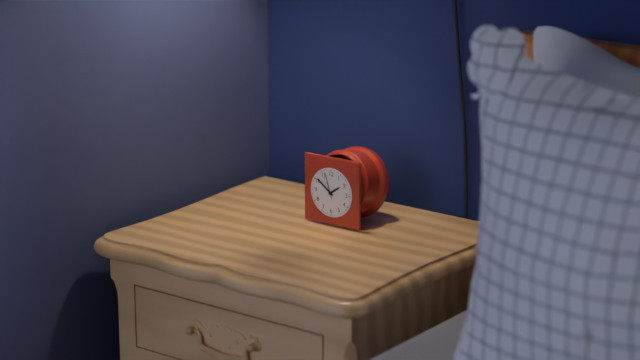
{"hour": 1, "minute": 51}
